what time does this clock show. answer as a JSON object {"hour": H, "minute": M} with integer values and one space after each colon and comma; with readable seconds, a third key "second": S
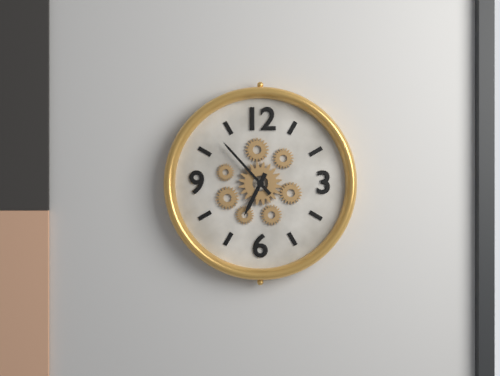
{"hour": 6, "minute": 53}
